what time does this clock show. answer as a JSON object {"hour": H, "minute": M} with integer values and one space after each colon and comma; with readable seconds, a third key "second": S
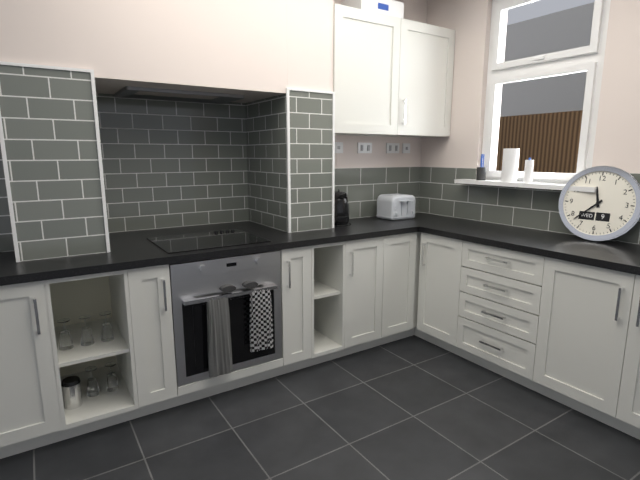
{"hour": 11, "minute": 38}
